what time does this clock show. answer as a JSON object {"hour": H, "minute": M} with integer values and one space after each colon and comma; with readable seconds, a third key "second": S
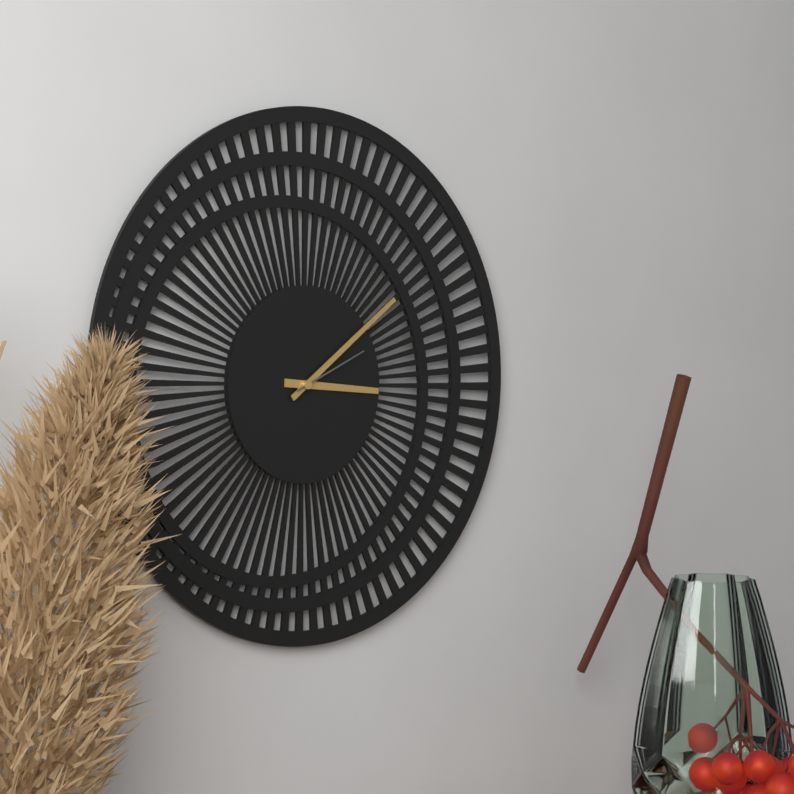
{"hour": 3, "minute": 9, "second": 11}
